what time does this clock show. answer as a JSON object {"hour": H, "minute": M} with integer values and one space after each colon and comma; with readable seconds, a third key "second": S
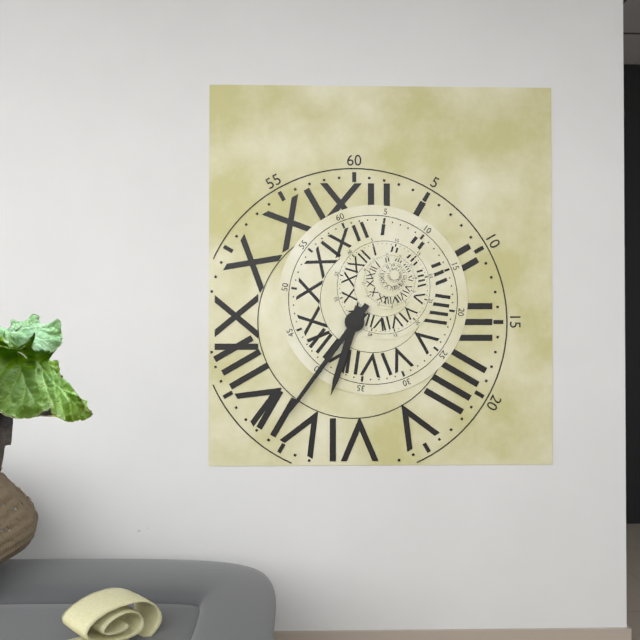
{"hour": 6, "minute": 36}
